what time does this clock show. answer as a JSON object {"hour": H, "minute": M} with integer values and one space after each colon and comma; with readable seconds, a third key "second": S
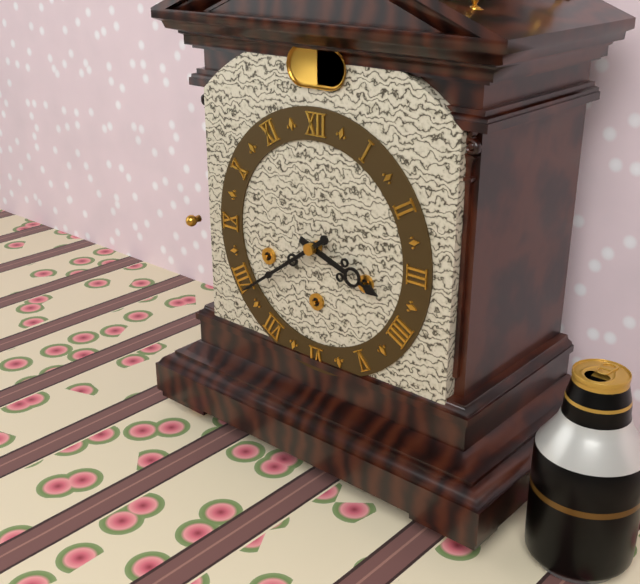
{"hour": 3, "minute": 39}
